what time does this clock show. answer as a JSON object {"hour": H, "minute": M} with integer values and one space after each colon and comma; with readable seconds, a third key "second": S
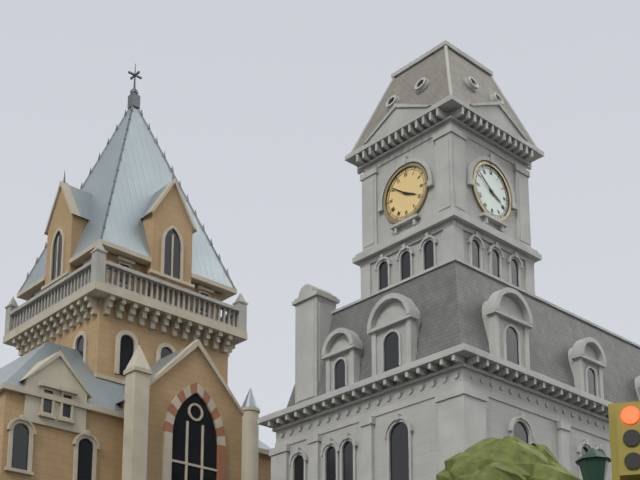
{"hour": 3, "minute": 51}
